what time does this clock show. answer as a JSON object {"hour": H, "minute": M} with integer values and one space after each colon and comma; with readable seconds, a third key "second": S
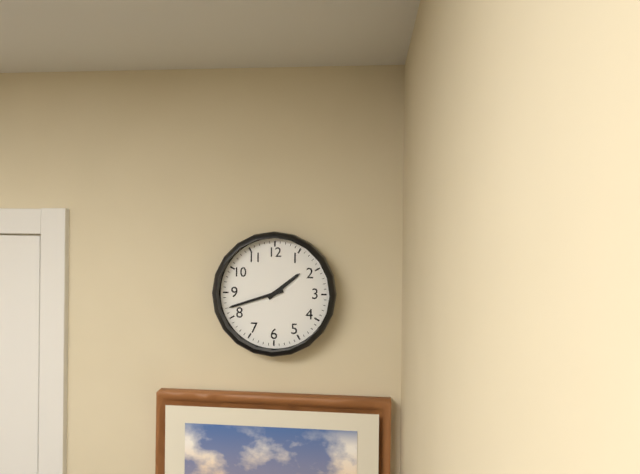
{"hour": 1, "minute": 42}
